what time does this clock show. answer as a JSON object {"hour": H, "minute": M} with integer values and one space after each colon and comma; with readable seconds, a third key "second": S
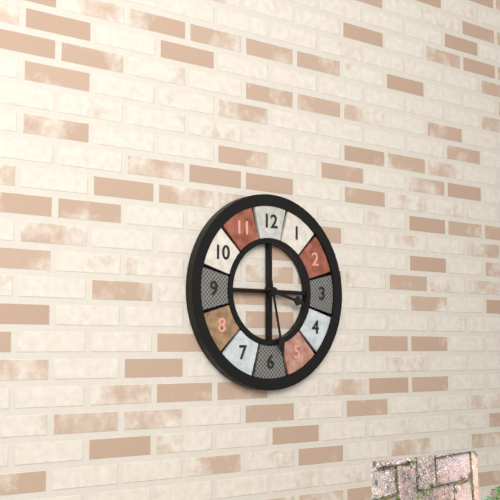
{"hour": 3, "minute": 28}
